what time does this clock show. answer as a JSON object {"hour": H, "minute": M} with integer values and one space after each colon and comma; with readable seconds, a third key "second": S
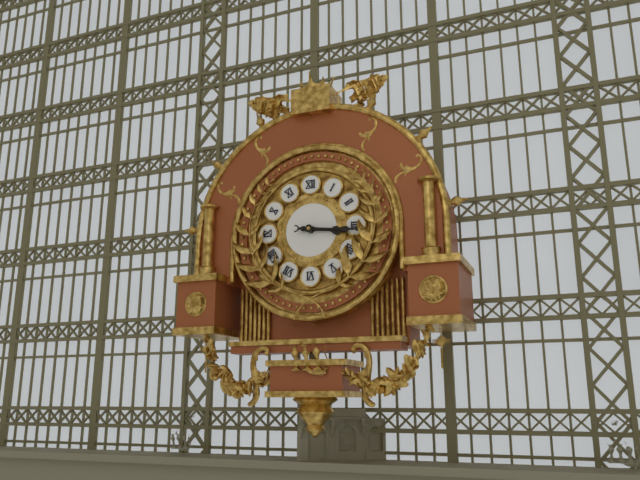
{"hour": 3, "minute": 16}
